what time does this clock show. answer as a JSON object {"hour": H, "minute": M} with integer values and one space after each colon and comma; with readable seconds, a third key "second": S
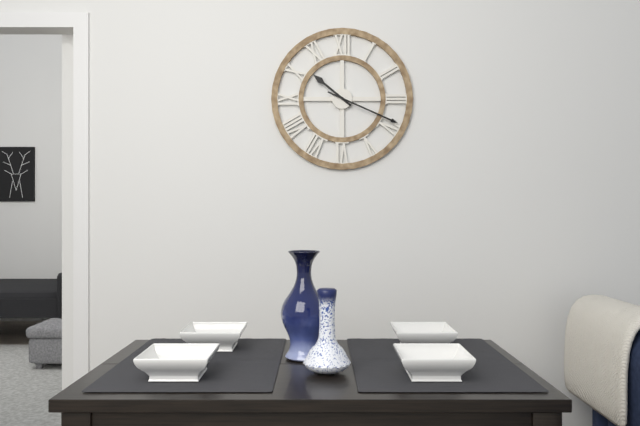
{"hour": 10, "minute": 19}
